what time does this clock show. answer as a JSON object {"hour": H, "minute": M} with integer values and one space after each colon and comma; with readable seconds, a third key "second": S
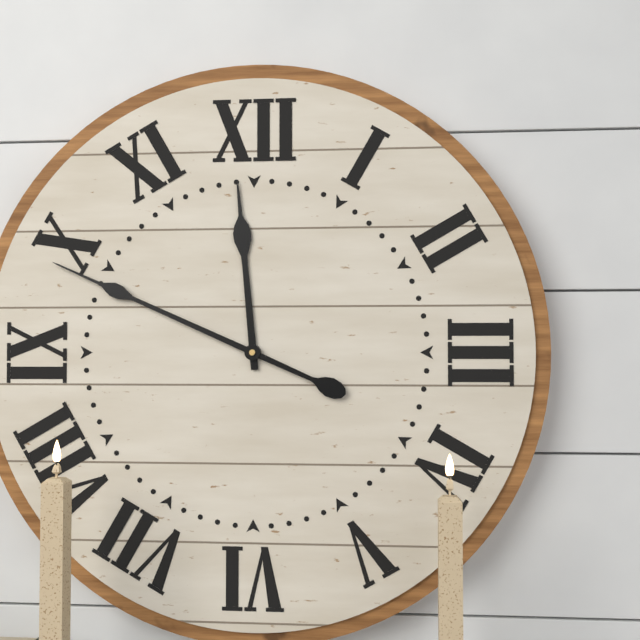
{"hour": 11, "minute": 49}
